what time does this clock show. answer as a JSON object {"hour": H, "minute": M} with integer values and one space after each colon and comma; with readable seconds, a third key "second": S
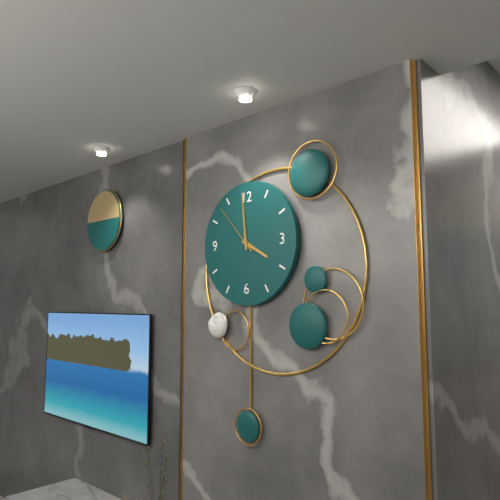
{"hour": 3, "minute": 59, "second": 53}
